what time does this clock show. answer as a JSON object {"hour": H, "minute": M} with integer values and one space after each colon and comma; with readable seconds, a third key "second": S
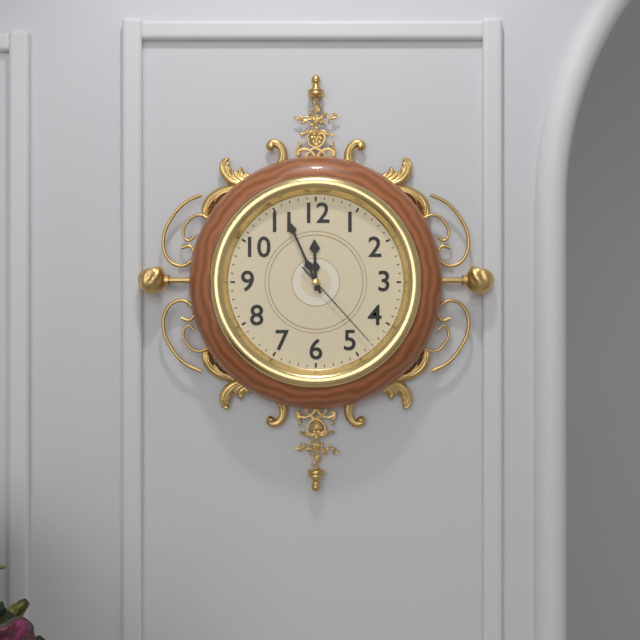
{"hour": 11, "minute": 56, "second": 23}
